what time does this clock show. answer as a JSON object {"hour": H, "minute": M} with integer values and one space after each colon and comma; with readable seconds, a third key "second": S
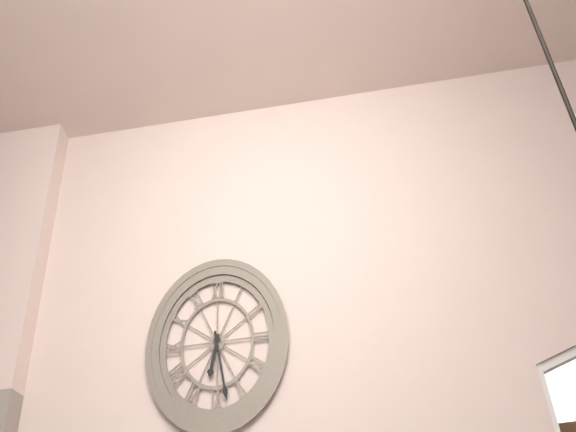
{"hour": 6, "minute": 28}
